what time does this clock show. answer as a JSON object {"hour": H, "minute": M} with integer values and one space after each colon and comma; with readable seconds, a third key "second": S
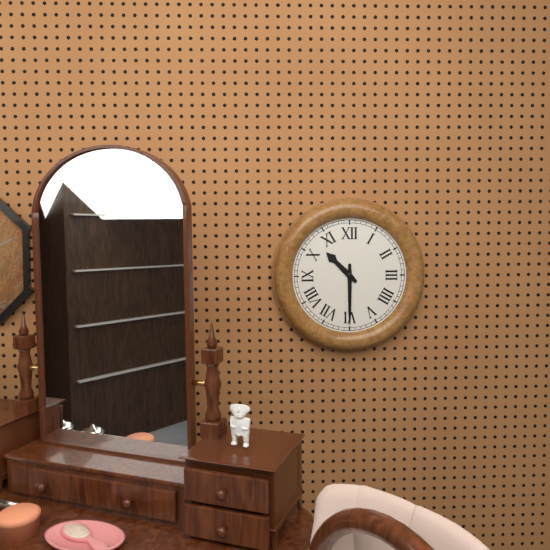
{"hour": 10, "minute": 30}
